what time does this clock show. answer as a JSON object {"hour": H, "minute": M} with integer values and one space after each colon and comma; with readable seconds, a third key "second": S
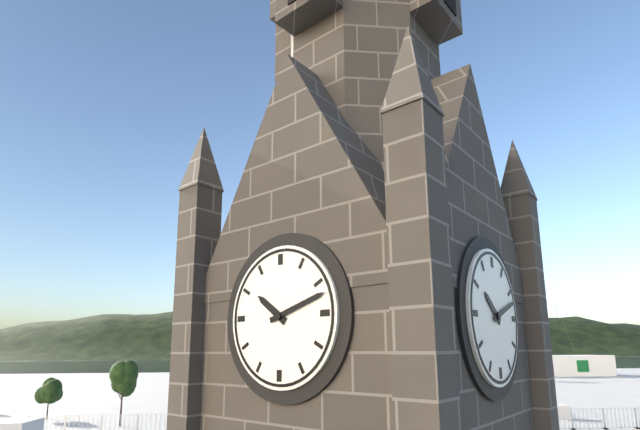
{"hour": 10, "minute": 12}
